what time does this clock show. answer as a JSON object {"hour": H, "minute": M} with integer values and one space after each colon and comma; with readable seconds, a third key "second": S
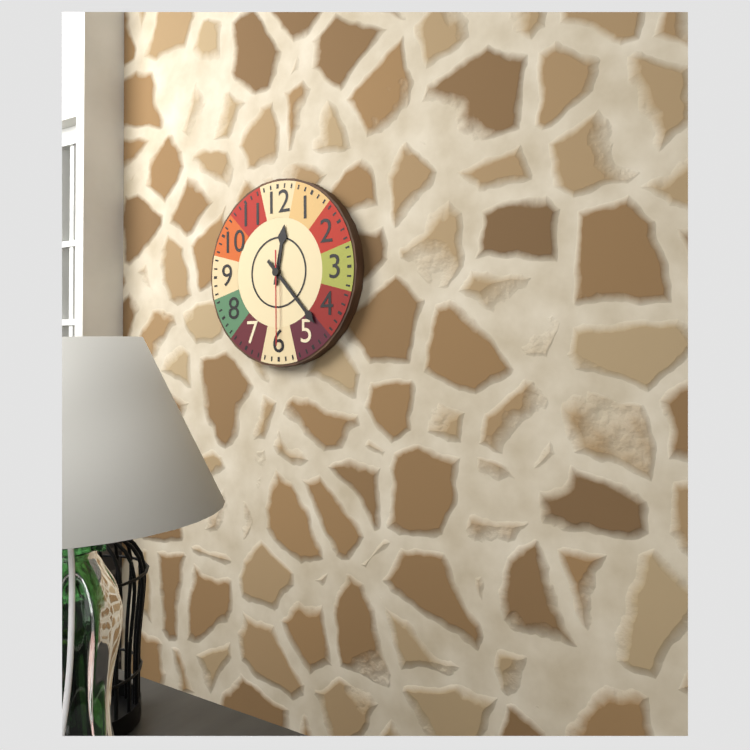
{"hour": 12, "minute": 23, "second": 30}
